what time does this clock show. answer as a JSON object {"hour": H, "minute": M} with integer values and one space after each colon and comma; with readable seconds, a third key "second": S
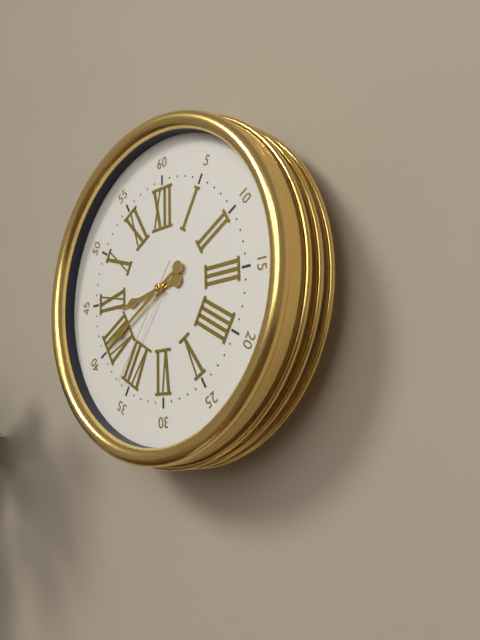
{"hour": 8, "minute": 40, "second": 36}
